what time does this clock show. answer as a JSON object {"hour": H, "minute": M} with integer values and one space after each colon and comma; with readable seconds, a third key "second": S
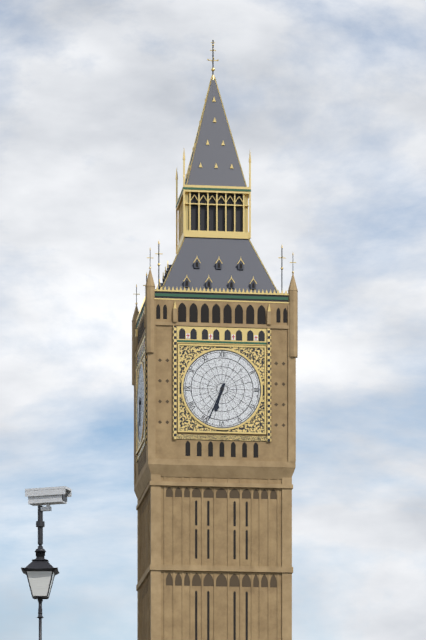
{"hour": 6, "minute": 34}
